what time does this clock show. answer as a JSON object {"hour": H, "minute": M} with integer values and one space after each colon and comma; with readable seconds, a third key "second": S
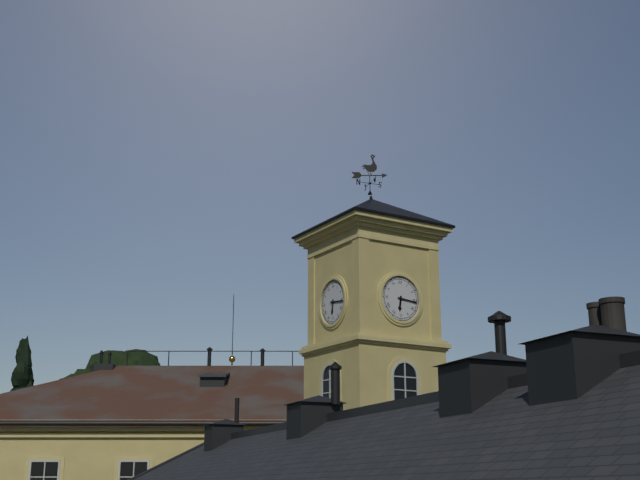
{"hour": 6, "minute": 16}
